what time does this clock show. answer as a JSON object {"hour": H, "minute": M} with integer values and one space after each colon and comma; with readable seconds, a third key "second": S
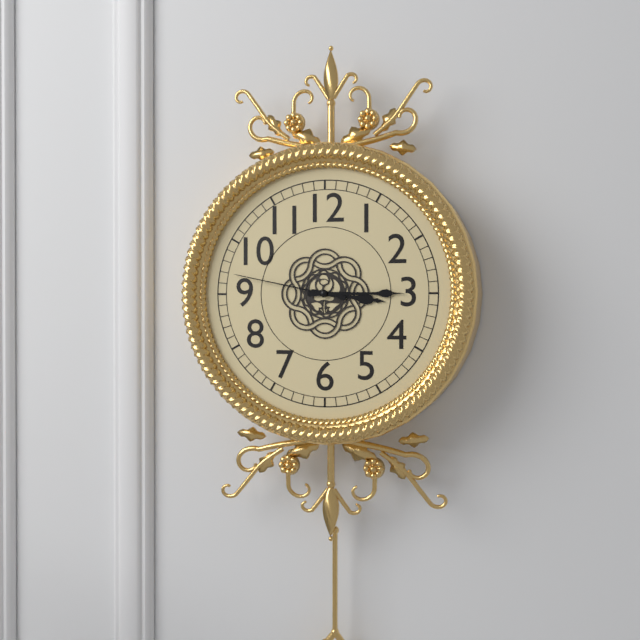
{"hour": 3, "minute": 15, "second": 47}
